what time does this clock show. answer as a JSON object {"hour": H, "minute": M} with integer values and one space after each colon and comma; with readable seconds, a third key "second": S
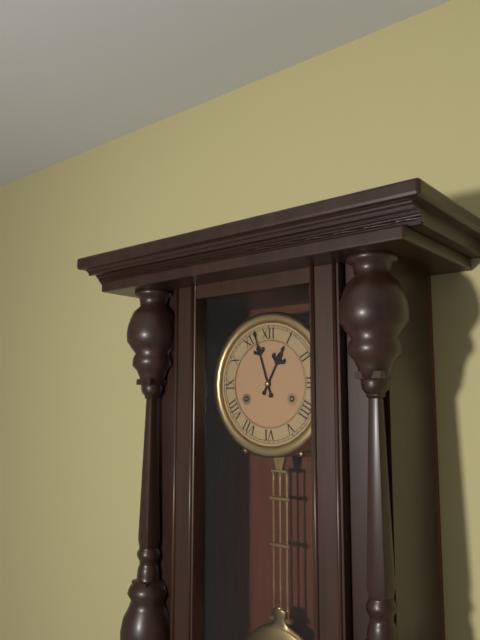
{"hour": 12, "minute": 57}
